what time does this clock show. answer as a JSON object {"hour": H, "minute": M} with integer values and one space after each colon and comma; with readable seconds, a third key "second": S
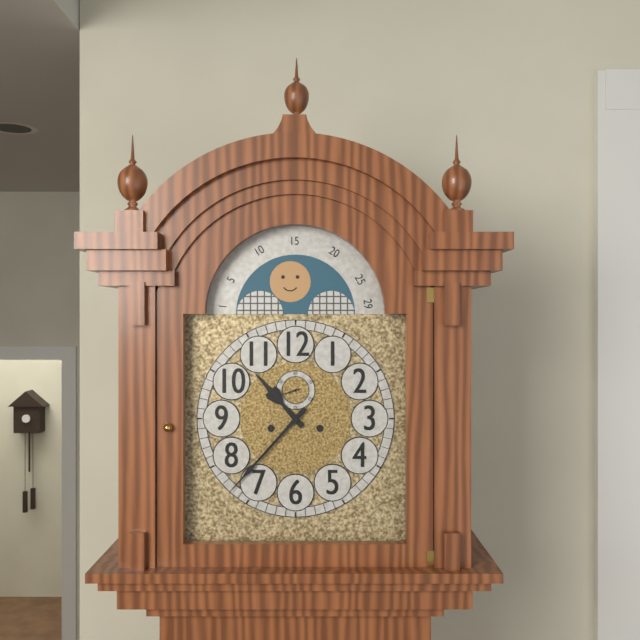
{"hour": 10, "minute": 37}
